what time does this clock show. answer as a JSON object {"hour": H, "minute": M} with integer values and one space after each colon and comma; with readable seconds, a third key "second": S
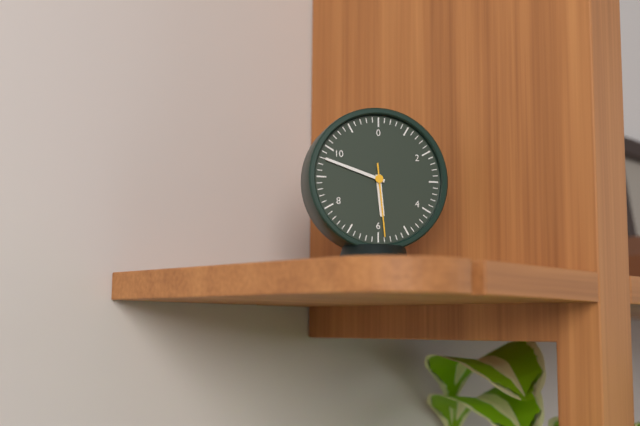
{"hour": 5, "minute": 48, "second": 29}
